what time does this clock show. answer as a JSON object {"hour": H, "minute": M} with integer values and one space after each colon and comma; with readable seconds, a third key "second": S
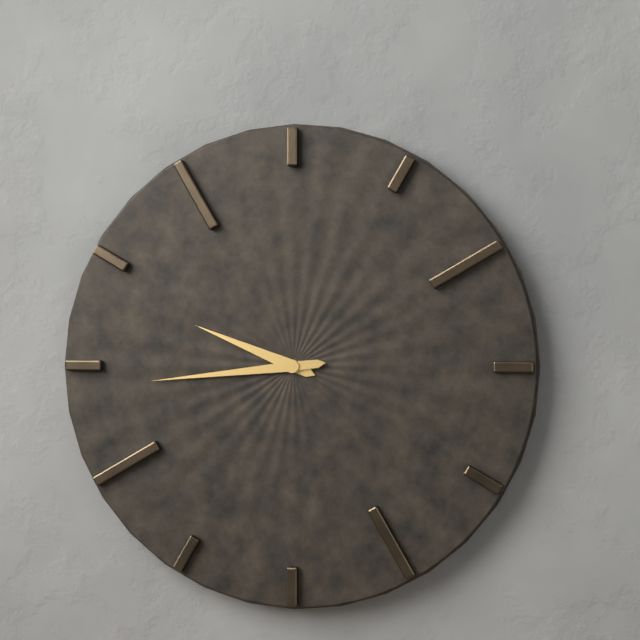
{"hour": 9, "minute": 44}
